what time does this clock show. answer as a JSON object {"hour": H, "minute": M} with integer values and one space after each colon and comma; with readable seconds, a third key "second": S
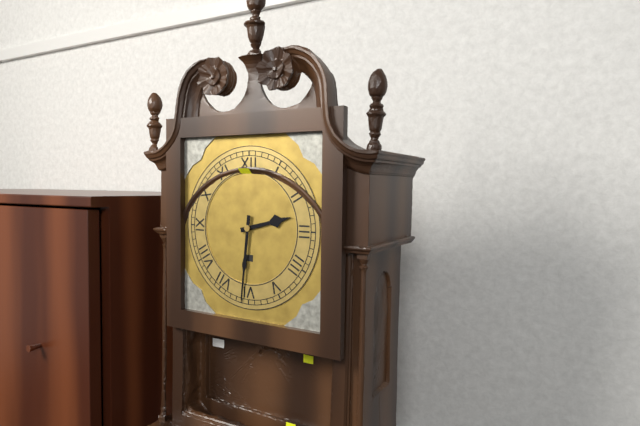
{"hour": 2, "minute": 31}
